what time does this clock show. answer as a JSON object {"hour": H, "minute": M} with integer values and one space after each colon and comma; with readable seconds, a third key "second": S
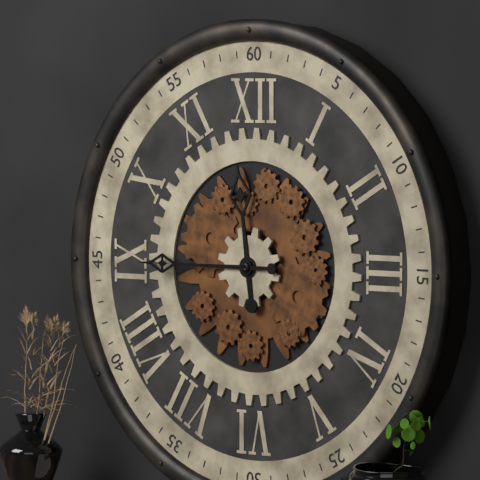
{"hour": 11, "minute": 45}
